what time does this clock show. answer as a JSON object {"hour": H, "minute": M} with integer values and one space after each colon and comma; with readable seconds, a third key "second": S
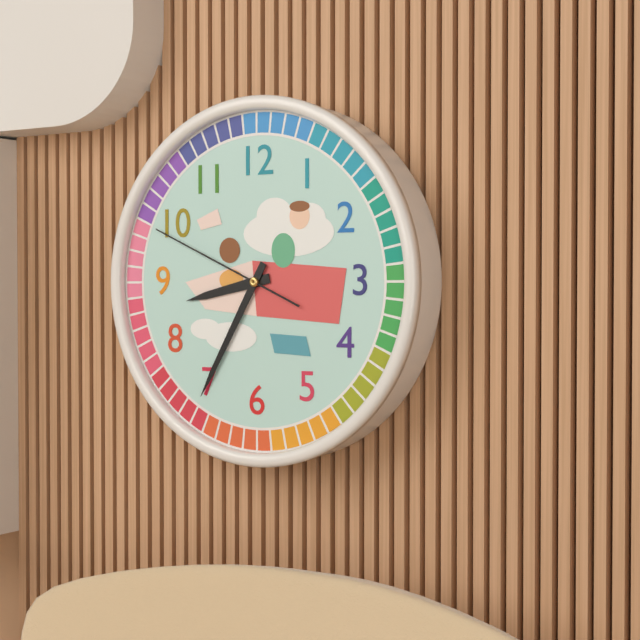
{"hour": 8, "minute": 35, "second": 49}
